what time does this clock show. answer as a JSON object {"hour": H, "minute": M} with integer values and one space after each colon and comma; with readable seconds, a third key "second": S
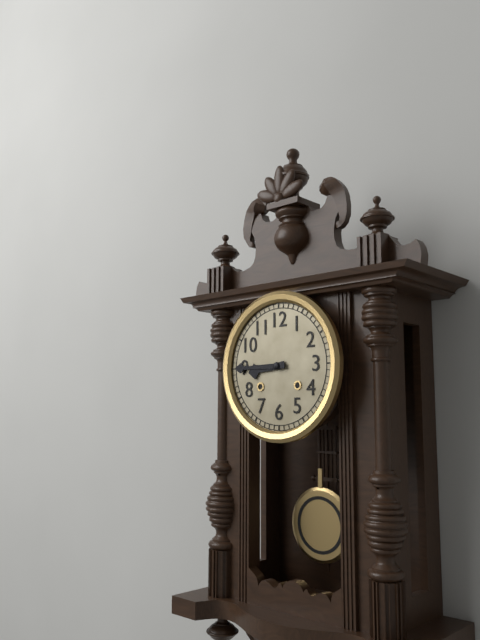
{"hour": 8, "minute": 45}
